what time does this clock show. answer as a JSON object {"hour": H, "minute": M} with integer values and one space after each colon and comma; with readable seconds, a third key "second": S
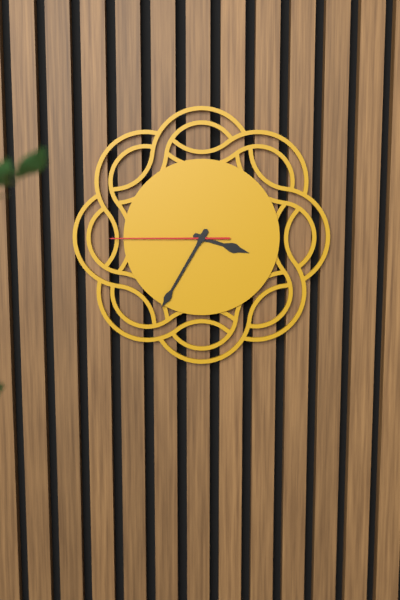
{"hour": 3, "minute": 35, "second": 45}
